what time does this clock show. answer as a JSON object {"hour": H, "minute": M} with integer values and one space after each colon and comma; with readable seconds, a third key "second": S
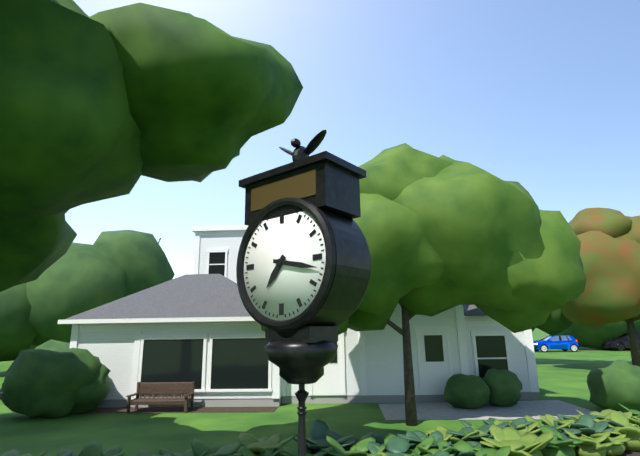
{"hour": 7, "minute": 17}
